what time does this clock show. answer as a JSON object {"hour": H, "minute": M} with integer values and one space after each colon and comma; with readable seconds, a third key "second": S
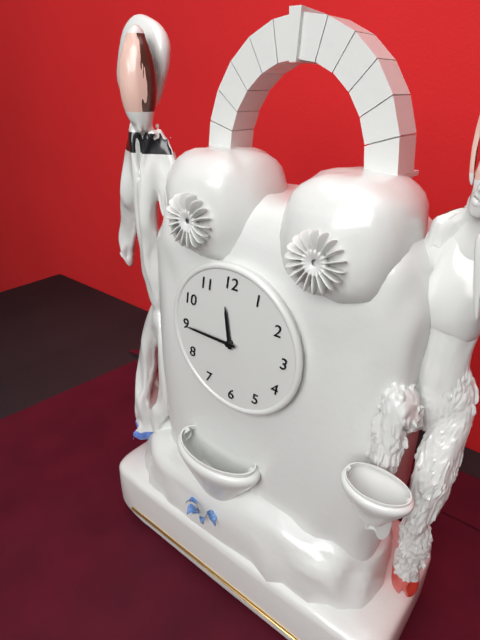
{"hour": 11, "minute": 45}
